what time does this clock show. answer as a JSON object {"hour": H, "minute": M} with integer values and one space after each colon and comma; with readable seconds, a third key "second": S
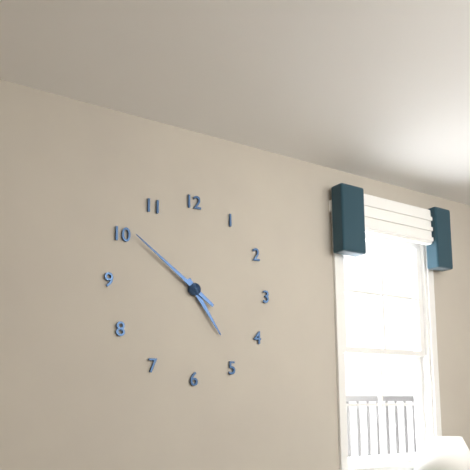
{"hour": 4, "minute": 51}
